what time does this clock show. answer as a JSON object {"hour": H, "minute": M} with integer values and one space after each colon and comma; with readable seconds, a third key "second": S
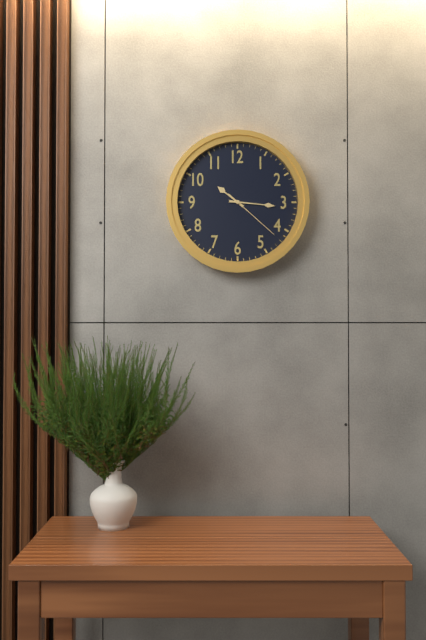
{"hour": 10, "minute": 16, "second": 22}
